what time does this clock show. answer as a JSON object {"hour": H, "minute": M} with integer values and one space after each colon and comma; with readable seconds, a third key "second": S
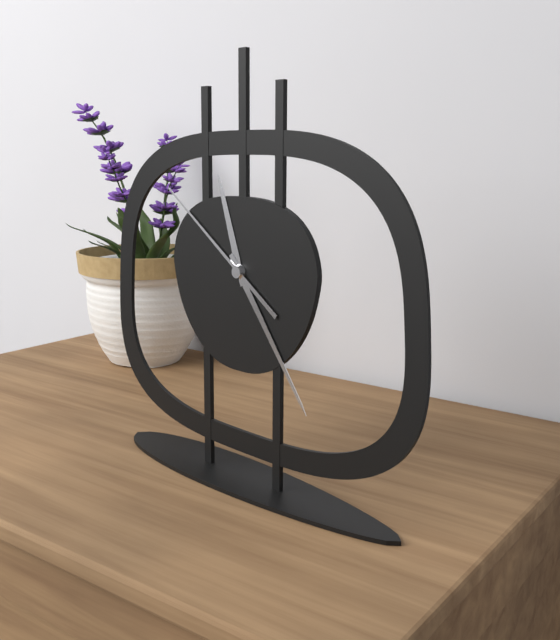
{"hour": 11, "minute": 24, "second": 51}
